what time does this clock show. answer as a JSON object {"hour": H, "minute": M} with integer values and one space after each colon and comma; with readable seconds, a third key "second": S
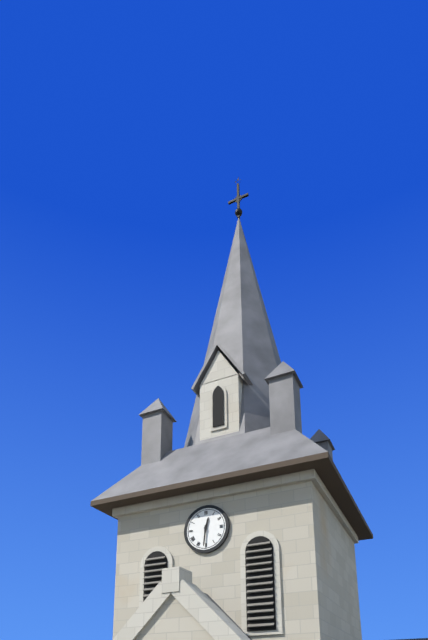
{"hour": 12, "minute": 31}
